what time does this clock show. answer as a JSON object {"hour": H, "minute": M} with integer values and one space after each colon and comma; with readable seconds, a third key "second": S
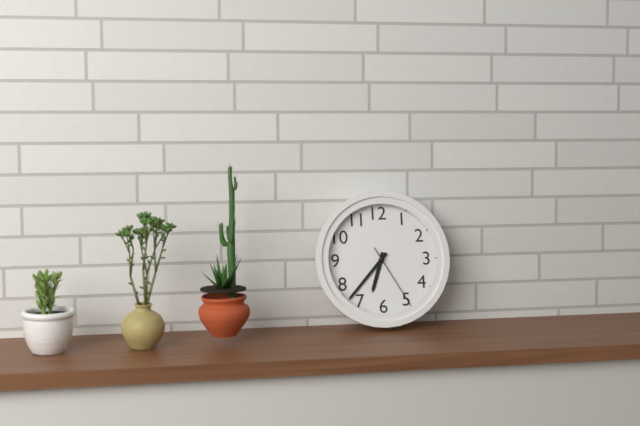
{"hour": 6, "minute": 37, "second": 25}
